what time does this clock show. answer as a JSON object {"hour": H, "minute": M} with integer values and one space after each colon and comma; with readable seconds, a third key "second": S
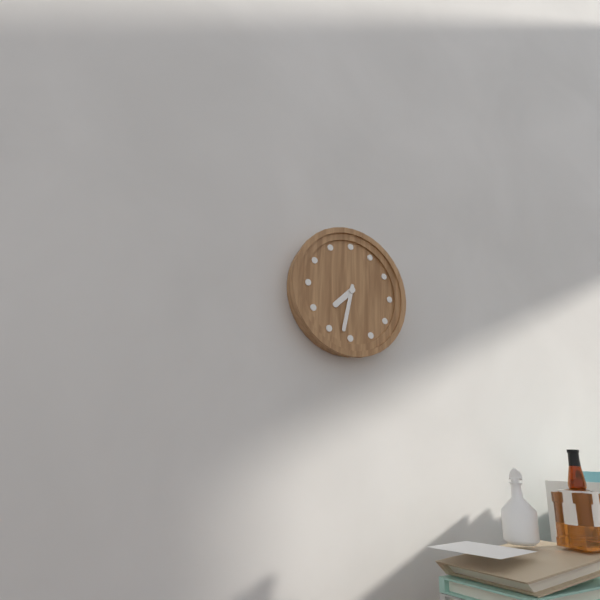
{"hour": 7, "minute": 32}
